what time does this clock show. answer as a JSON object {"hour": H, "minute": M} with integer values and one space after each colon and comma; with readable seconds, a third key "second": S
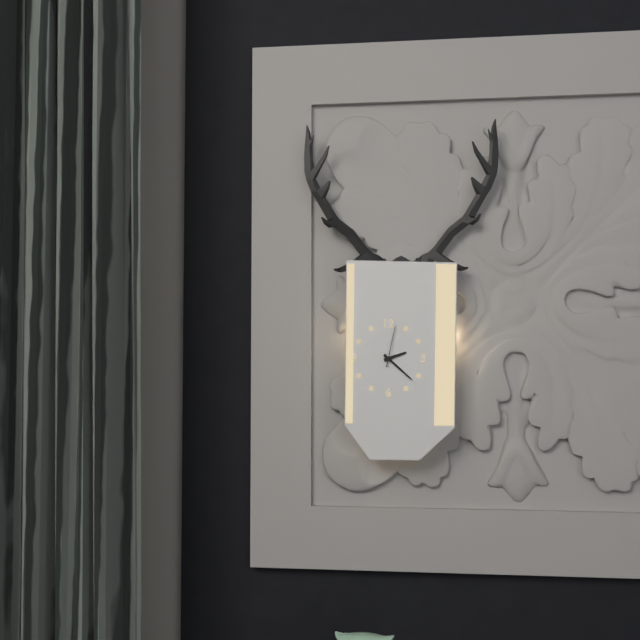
{"hour": 2, "minute": 22}
